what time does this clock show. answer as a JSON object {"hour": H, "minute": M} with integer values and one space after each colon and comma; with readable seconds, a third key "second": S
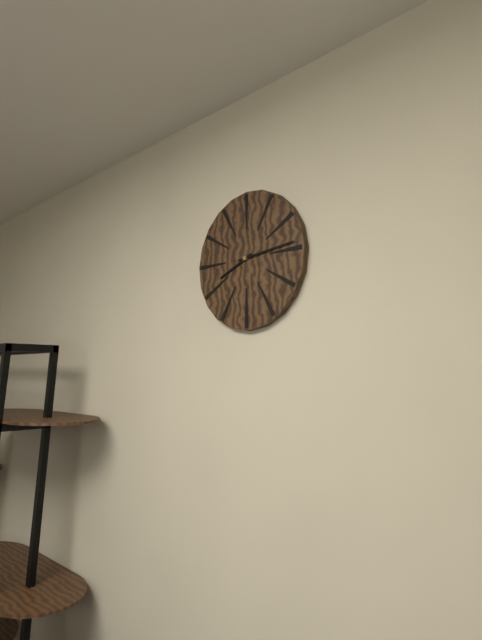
{"hour": 8, "minute": 14}
